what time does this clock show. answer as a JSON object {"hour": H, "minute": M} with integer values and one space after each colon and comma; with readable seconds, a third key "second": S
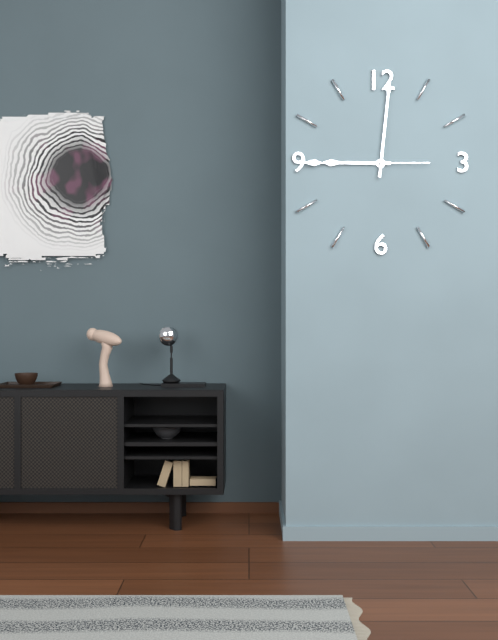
{"hour": 9, "minute": 1, "second": 45}
